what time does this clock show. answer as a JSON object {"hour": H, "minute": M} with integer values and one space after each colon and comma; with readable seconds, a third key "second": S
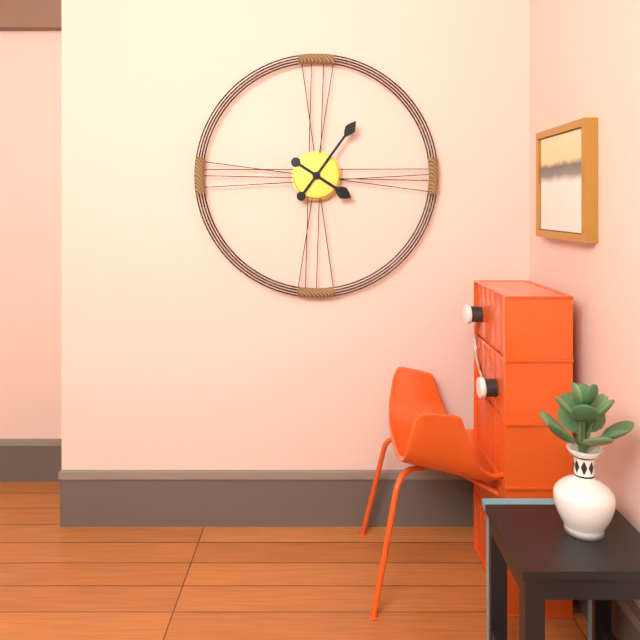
{"hour": 4, "minute": 6}
